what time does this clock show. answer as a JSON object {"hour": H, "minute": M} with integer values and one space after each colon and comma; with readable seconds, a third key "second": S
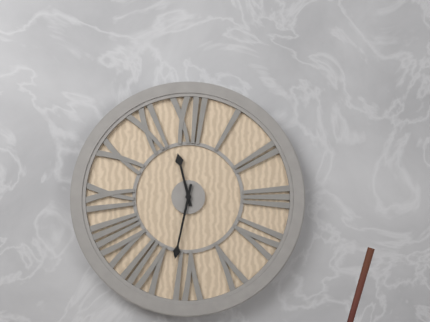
{"hour": 11, "minute": 32}
